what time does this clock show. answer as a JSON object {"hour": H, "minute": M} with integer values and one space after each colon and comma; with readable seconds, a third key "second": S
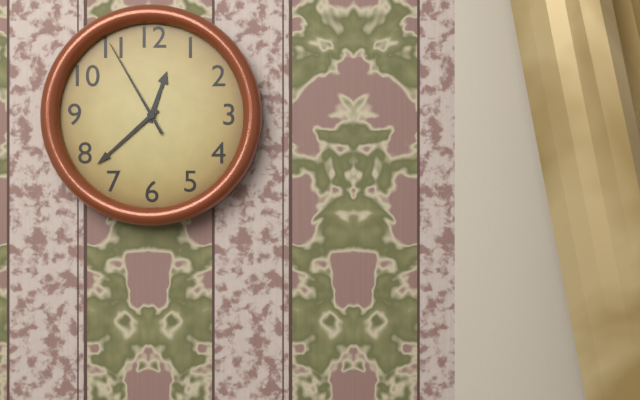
{"hour": 12, "minute": 38, "second": 55}
